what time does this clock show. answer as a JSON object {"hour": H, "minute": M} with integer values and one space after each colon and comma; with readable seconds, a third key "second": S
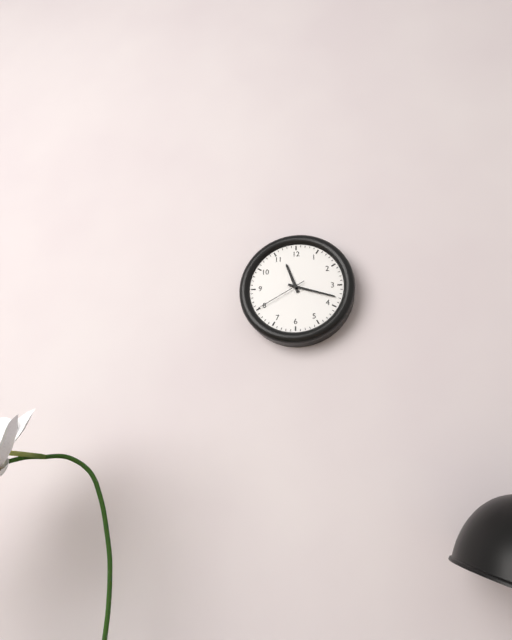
{"hour": 11, "minute": 18, "second": 40}
